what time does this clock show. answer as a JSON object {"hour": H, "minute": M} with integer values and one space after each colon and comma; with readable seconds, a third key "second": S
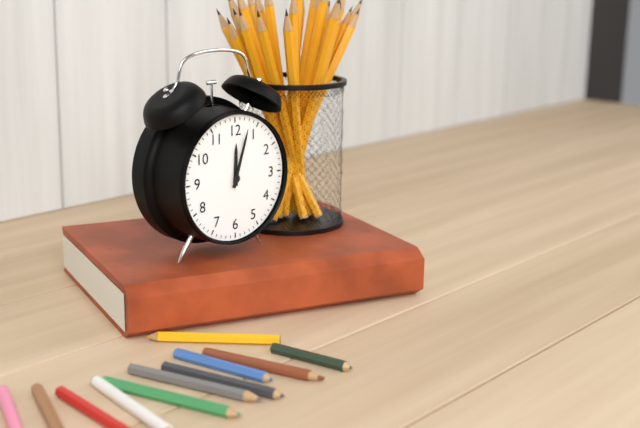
{"hour": 12, "minute": 3}
